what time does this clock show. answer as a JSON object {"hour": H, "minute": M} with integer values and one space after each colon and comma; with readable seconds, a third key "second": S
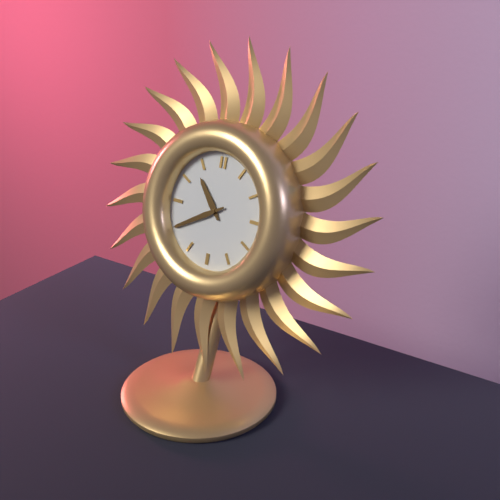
{"hour": 10, "minute": 40}
